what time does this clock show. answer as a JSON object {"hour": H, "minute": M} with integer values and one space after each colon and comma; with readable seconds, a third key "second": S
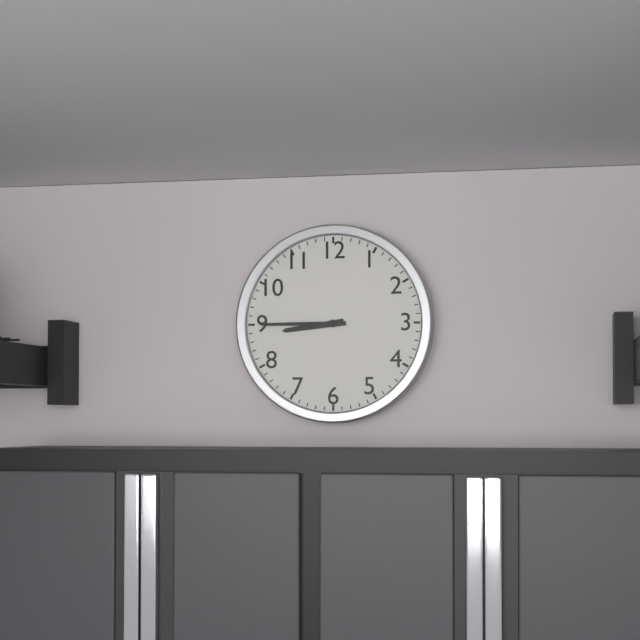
{"hour": 8, "minute": 45}
